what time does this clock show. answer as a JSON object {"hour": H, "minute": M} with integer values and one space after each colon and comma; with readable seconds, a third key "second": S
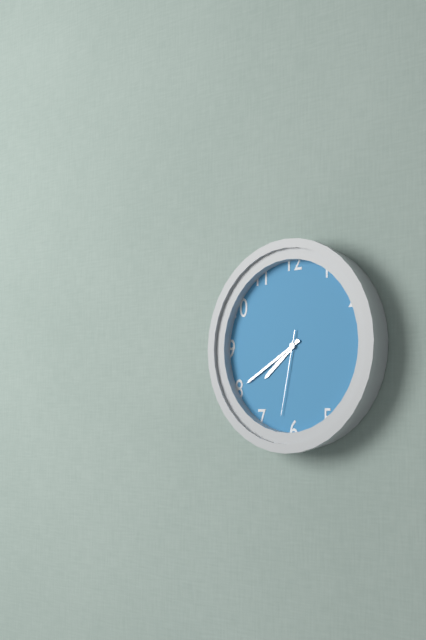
{"hour": 7, "minute": 40, "second": 32}
